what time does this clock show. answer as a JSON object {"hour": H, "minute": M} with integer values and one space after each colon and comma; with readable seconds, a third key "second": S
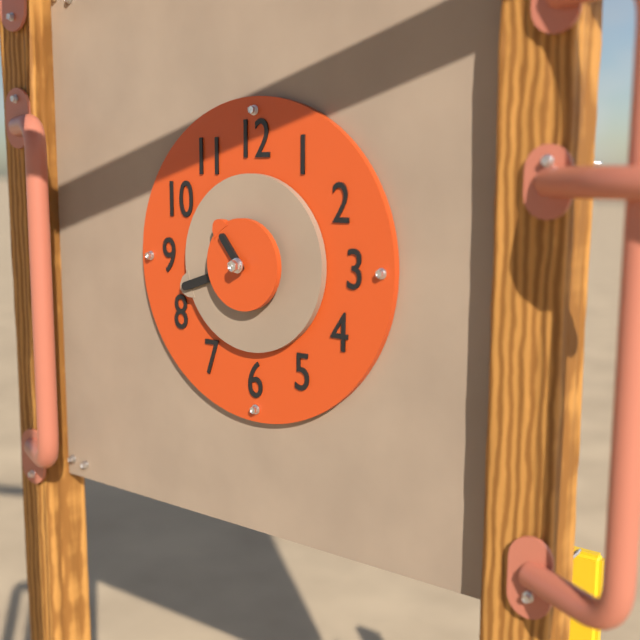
{"hour": 10, "minute": 42}
